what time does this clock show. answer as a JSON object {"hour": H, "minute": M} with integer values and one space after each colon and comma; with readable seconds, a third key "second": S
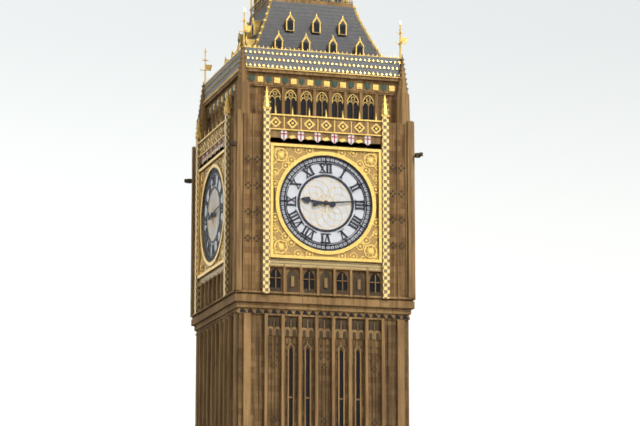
{"hour": 9, "minute": 14}
